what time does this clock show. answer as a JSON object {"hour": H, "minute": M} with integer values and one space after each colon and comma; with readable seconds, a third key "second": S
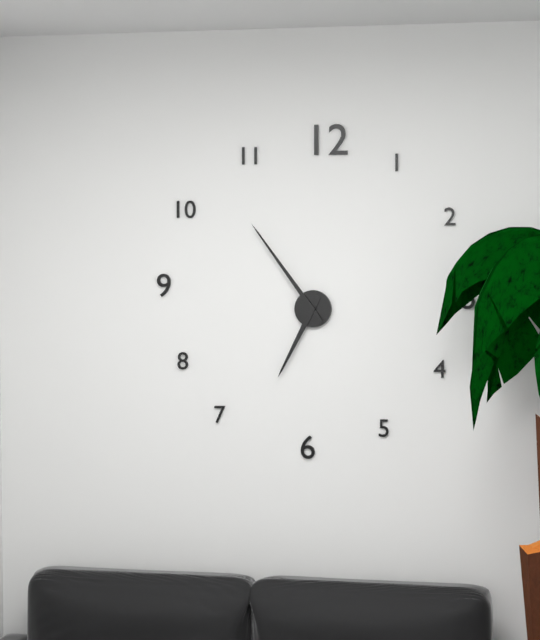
{"hour": 6, "minute": 54}
